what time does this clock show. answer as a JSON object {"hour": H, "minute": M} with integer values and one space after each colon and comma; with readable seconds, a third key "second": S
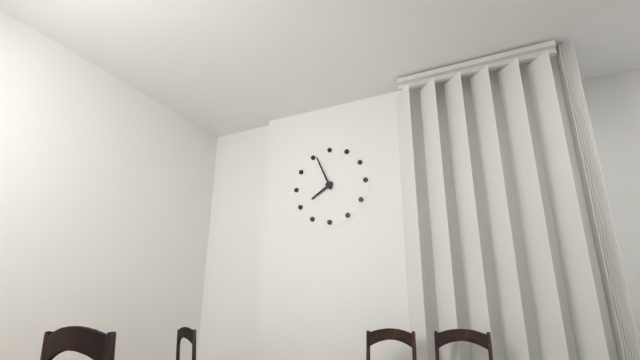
{"hour": 7, "minute": 56}
